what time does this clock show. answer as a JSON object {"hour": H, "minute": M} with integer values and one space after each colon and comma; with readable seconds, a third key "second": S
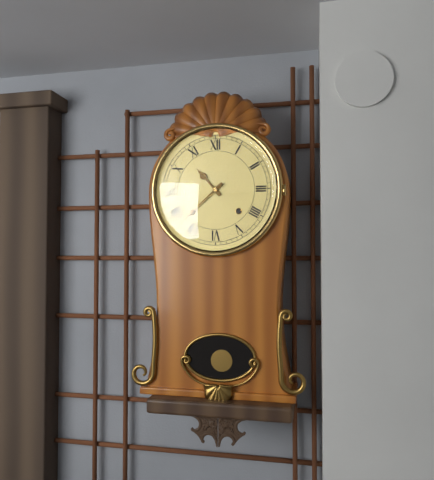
{"hour": 10, "minute": 38}
